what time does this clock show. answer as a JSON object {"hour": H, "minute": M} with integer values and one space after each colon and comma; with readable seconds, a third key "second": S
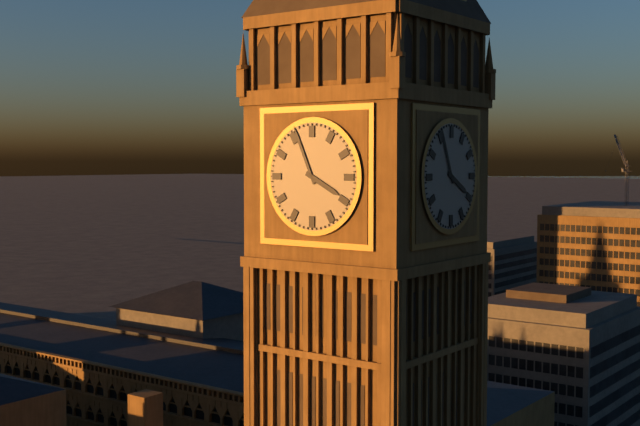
{"hour": 3, "minute": 56}
